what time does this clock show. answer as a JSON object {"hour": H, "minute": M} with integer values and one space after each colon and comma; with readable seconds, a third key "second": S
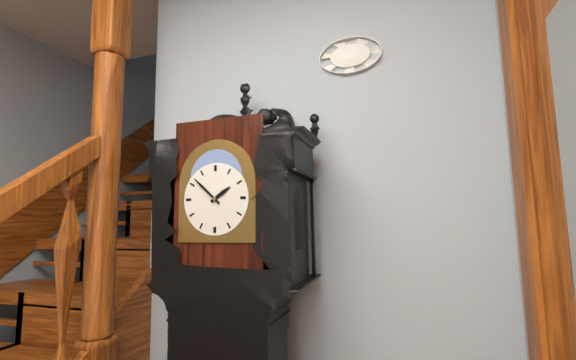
{"hour": 1, "minute": 52}
